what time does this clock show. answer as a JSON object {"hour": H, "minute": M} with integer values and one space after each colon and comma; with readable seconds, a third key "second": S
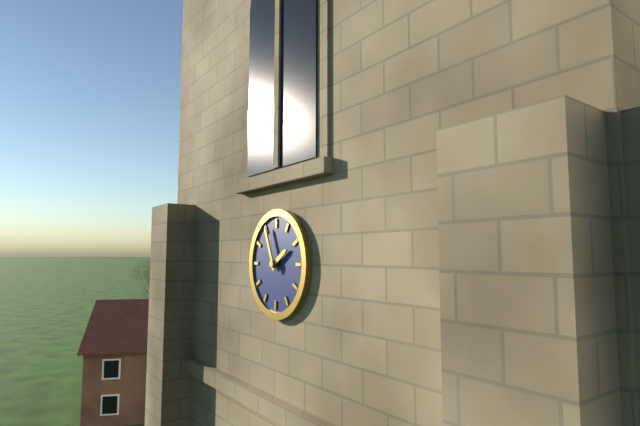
{"hour": 1, "minute": 56}
